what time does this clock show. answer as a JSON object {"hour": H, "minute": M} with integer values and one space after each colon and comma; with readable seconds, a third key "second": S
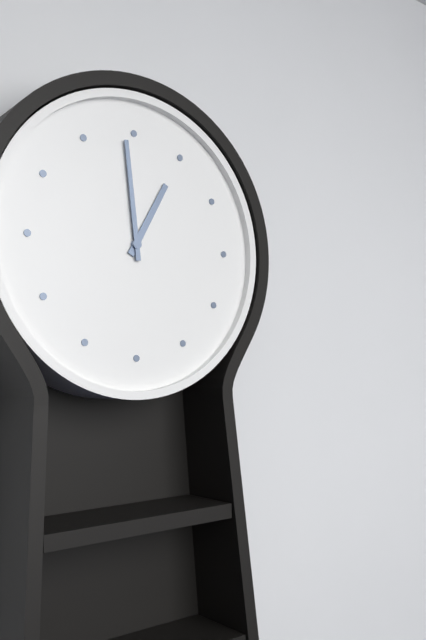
{"hour": 12, "minute": 59}
